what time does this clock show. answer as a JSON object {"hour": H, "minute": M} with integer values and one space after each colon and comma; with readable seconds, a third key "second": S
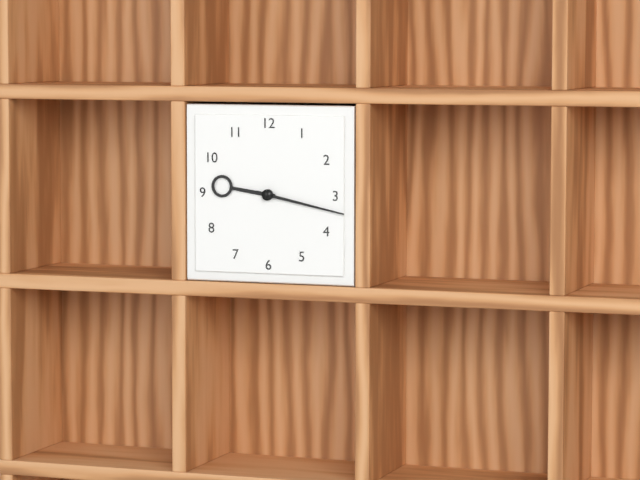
{"hour": 9, "minute": 17}
